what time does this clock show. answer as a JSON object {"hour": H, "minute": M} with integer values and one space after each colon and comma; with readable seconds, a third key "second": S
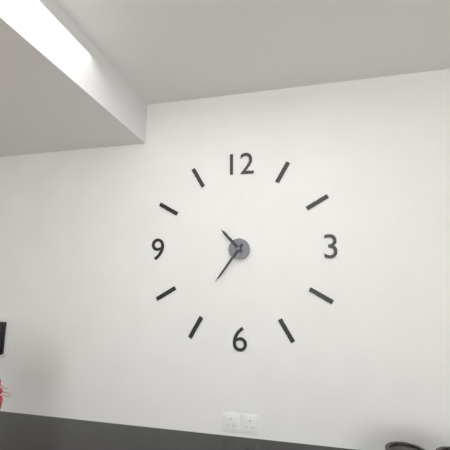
{"hour": 10, "minute": 36}
